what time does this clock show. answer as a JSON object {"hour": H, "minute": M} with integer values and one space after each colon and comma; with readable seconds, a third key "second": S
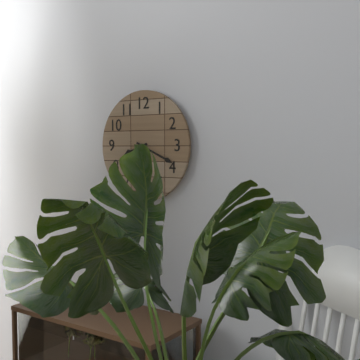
{"hour": 8, "minute": 19}
